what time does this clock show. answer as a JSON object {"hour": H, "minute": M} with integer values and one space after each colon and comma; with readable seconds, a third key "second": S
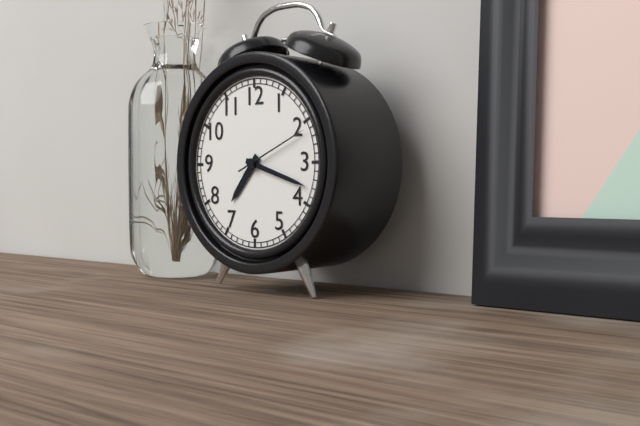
{"hour": 7, "minute": 18, "second": 11}
